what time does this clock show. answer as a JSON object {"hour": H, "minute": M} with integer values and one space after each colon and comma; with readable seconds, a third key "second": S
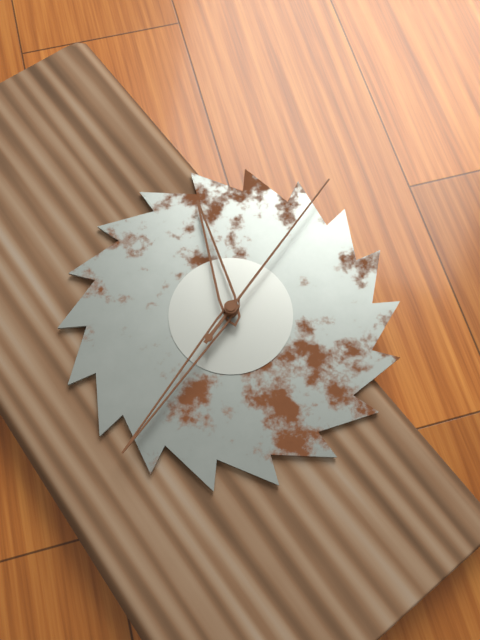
{"hour": 12, "minute": 42, "second": 12}
